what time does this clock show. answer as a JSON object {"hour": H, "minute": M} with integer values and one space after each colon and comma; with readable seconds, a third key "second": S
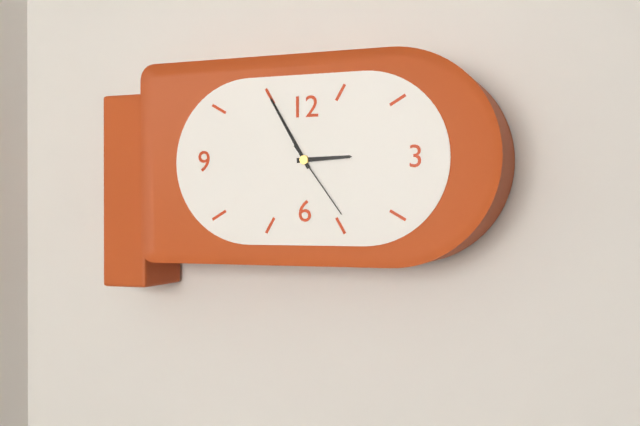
{"hour": 2, "minute": 55, "second": 24}
